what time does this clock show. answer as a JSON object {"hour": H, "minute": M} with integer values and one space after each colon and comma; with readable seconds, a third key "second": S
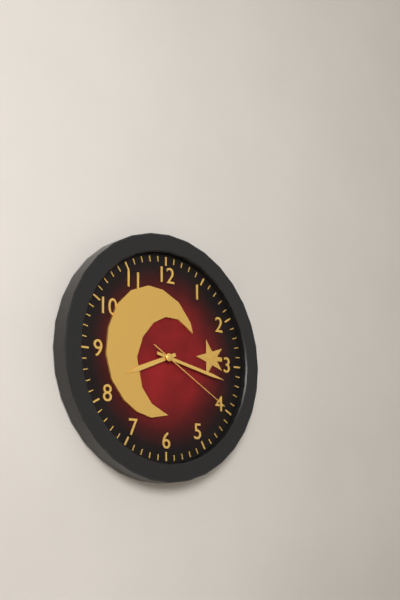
{"hour": 8, "minute": 17, "second": 20}
